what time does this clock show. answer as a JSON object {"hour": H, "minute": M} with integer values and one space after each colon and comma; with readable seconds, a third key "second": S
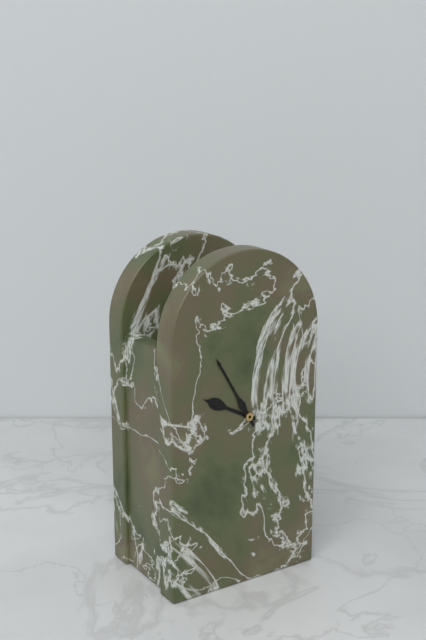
{"hour": 9, "minute": 55}
